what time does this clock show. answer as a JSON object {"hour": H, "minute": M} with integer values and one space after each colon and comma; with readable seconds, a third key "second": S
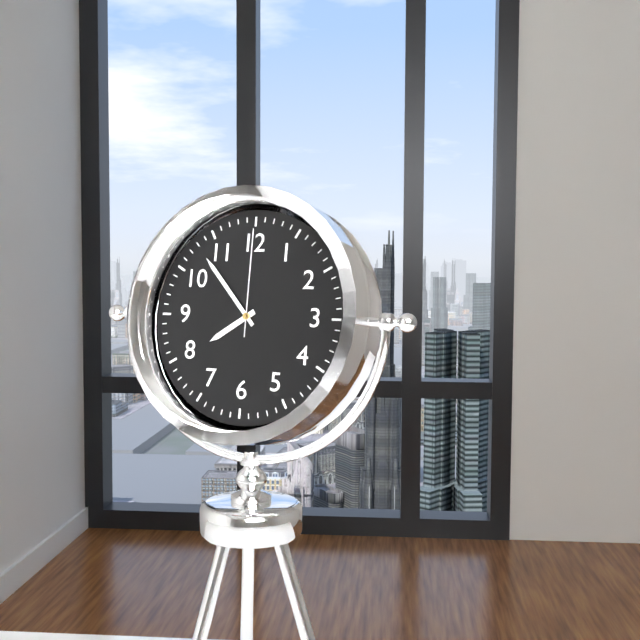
{"hour": 7, "minute": 53, "second": 0}
